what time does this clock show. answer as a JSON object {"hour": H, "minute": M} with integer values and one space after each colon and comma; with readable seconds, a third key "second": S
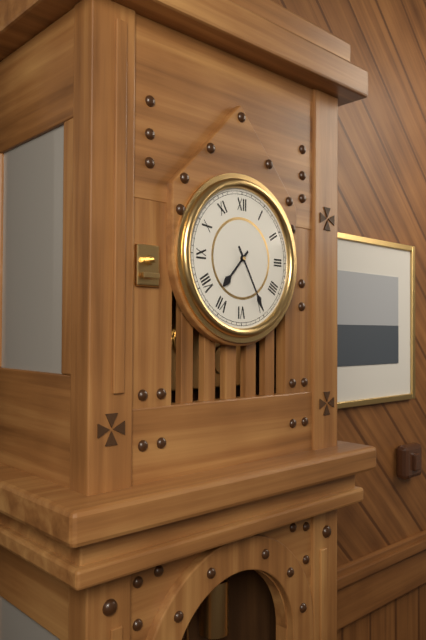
{"hour": 7, "minute": 25}
